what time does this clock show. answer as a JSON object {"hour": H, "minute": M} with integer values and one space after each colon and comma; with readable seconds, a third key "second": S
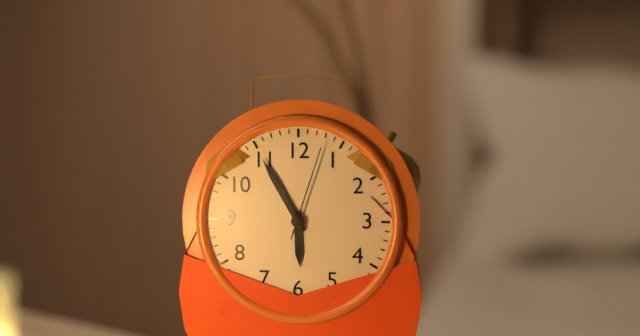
{"hour": 5, "minute": 55, "second": 3}
